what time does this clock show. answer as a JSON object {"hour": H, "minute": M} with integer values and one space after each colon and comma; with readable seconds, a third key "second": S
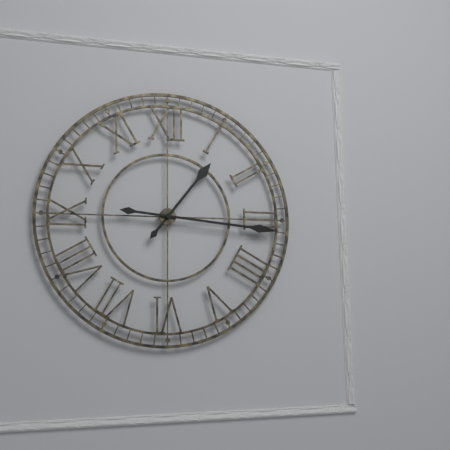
{"hour": 1, "minute": 16}
